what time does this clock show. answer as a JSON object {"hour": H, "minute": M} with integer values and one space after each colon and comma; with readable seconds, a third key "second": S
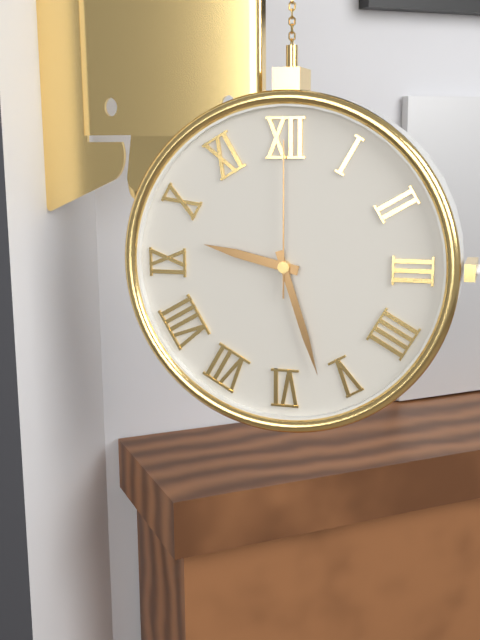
{"hour": 9, "minute": 27, "second": 0}
